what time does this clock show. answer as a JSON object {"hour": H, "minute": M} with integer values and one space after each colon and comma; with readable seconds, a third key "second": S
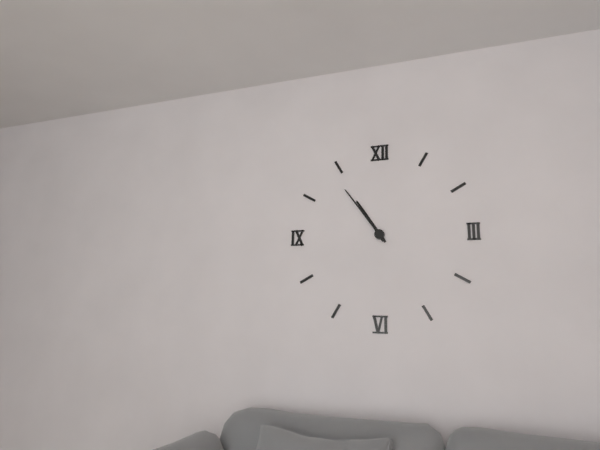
{"hour": 10, "minute": 54}
